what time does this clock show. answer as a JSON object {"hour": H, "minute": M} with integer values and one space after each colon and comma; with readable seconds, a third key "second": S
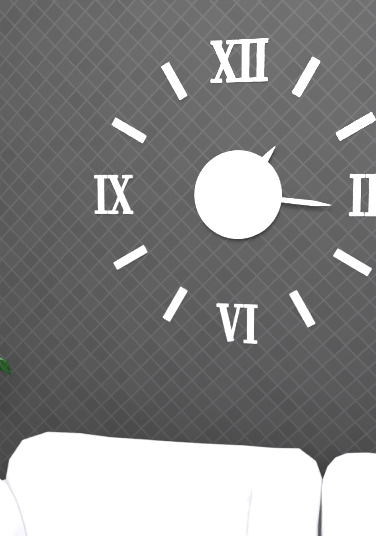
{"hour": 1, "minute": 16}
